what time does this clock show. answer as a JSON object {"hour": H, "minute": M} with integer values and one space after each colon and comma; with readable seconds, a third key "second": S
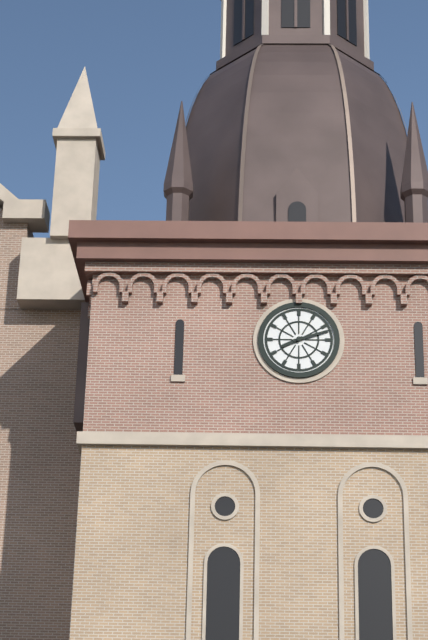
{"hour": 8, "minute": 12}
